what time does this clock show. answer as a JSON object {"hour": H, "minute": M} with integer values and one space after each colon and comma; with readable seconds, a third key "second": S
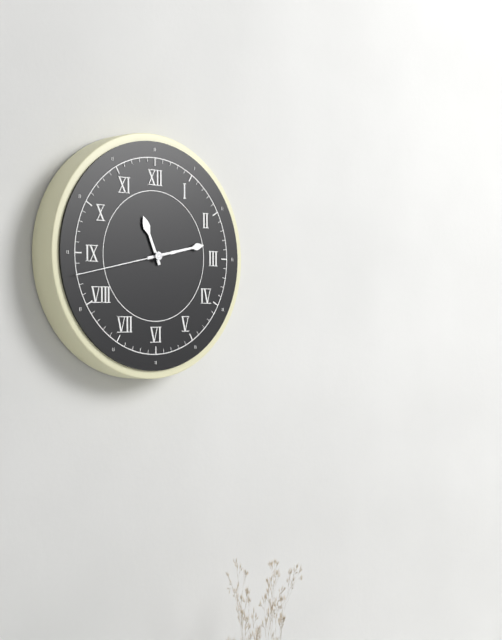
{"hour": 11, "minute": 13, "second": 43}
